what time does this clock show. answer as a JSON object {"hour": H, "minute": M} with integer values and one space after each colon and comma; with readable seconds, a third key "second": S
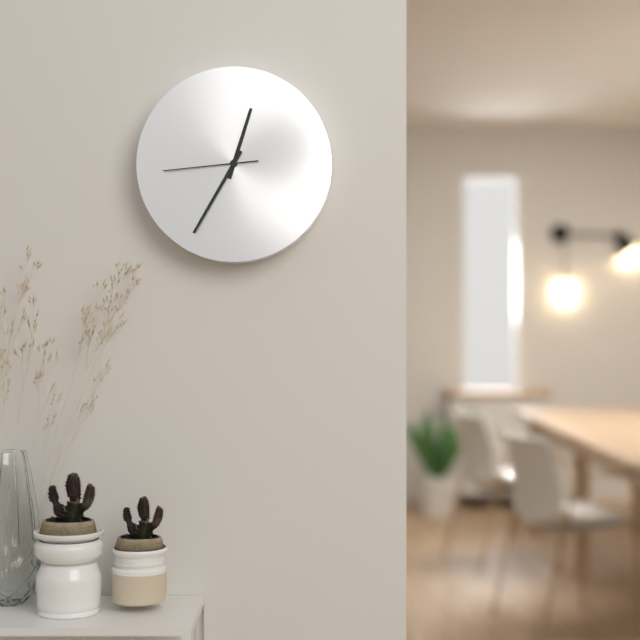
{"hour": 12, "minute": 35, "second": 44}
